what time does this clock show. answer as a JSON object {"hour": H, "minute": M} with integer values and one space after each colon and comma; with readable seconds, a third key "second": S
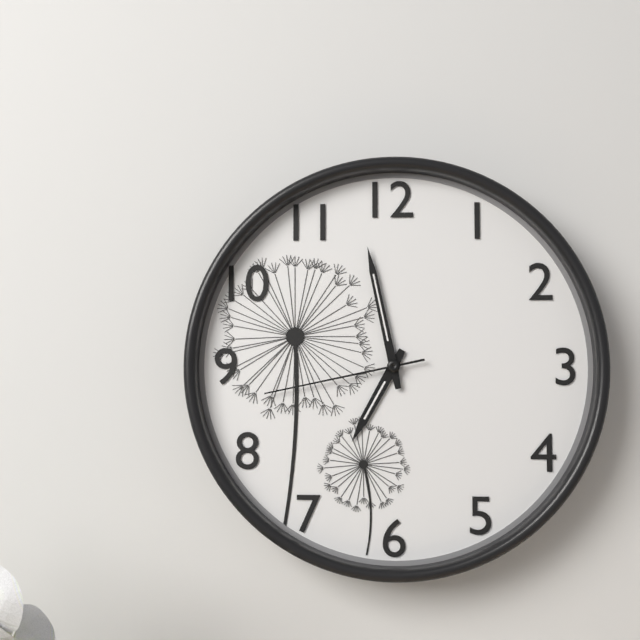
{"hour": 6, "minute": 58, "second": 43}
